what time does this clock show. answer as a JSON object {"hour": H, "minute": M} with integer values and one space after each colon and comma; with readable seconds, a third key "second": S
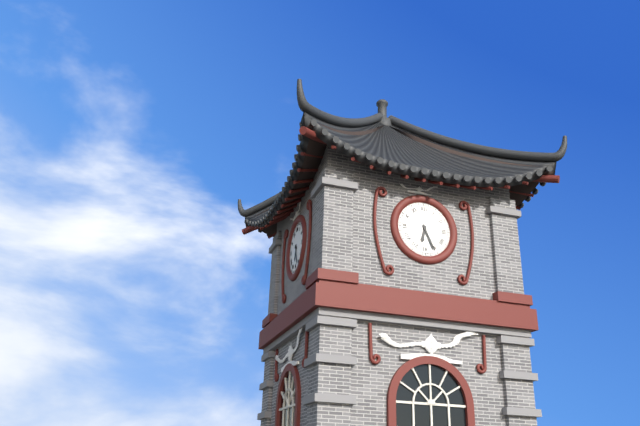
{"hour": 6, "minute": 26}
